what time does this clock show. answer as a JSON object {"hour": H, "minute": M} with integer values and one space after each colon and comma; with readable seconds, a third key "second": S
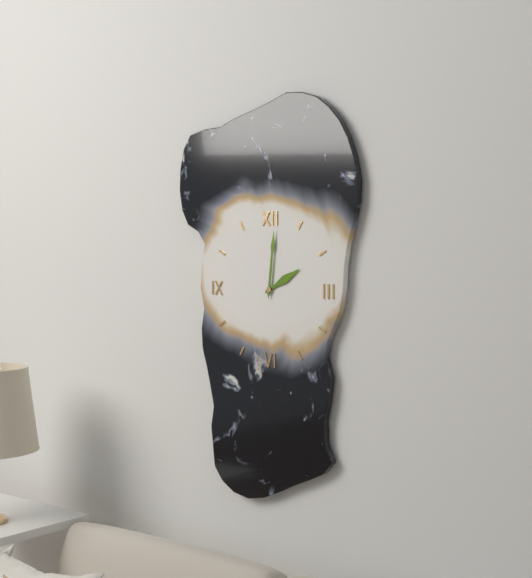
{"hour": 2, "minute": 1}
